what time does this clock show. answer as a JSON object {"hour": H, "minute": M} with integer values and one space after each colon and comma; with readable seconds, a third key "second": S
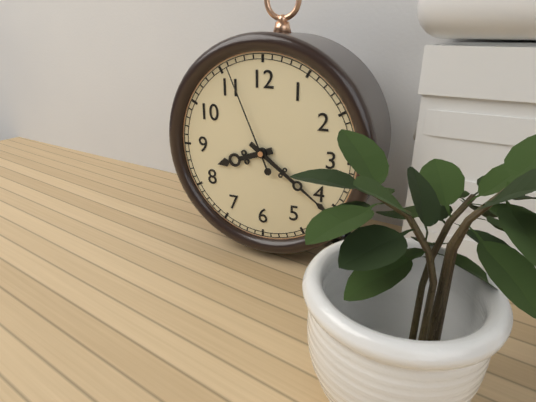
{"hour": 8, "minute": 21, "second": 56}
